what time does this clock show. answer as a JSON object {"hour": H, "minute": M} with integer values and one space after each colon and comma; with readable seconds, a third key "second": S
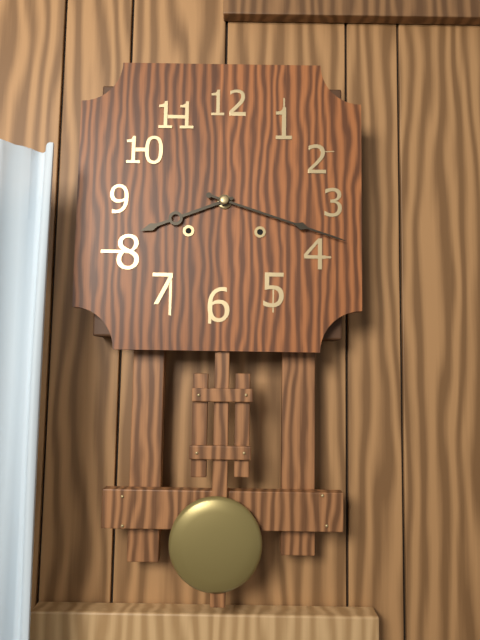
{"hour": 8, "minute": 18}
